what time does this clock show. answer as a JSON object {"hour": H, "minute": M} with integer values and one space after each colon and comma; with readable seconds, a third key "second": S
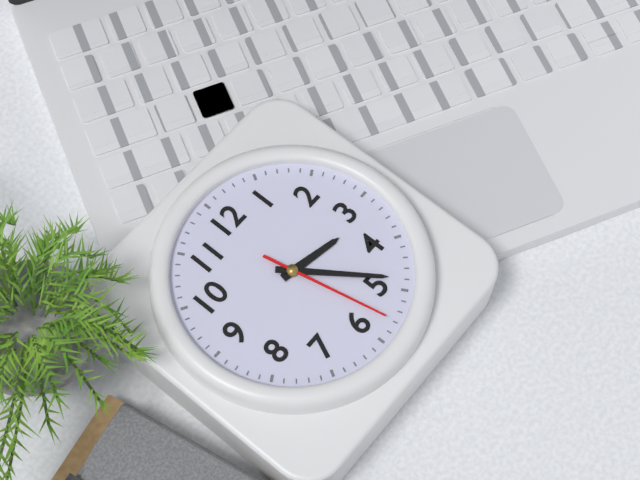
{"hour": 3, "minute": 24, "second": 28}
